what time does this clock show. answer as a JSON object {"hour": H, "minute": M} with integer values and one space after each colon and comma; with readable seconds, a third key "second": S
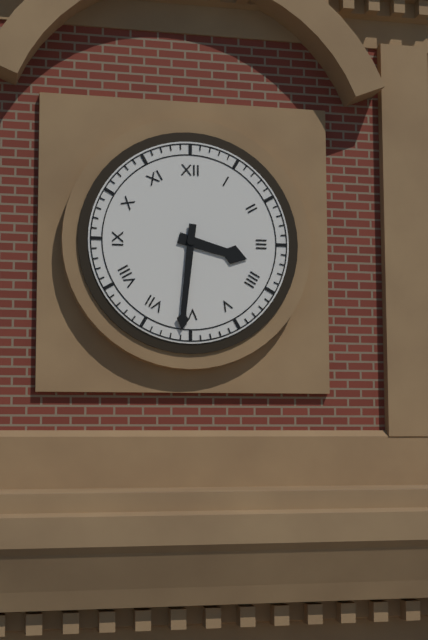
{"hour": 3, "minute": 31}
